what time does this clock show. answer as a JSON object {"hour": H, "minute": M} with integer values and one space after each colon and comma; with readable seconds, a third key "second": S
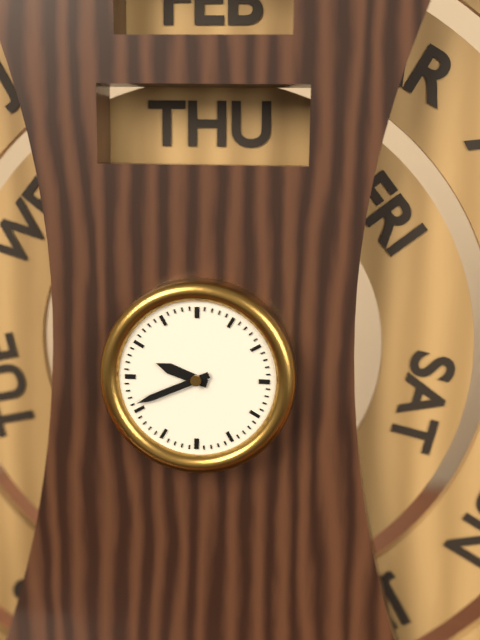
{"hour": 9, "minute": 41}
